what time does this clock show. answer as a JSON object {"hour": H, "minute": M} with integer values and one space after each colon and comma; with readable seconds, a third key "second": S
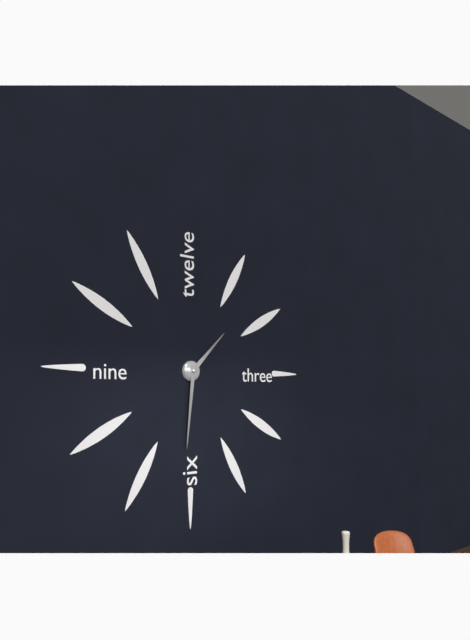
{"hour": 1, "minute": 31}
